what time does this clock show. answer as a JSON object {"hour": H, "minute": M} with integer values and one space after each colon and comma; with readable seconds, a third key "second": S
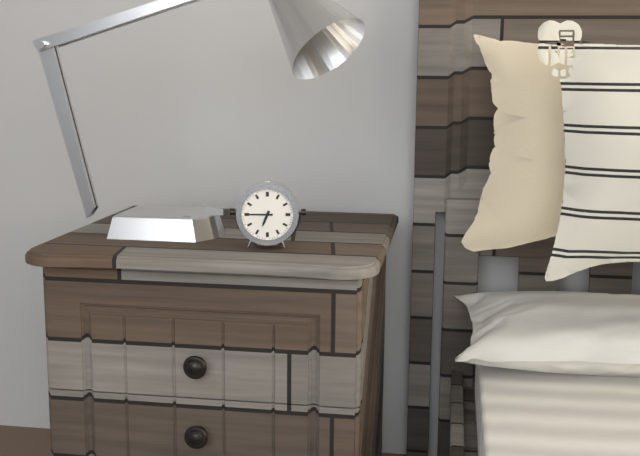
{"hour": 6, "minute": 45}
